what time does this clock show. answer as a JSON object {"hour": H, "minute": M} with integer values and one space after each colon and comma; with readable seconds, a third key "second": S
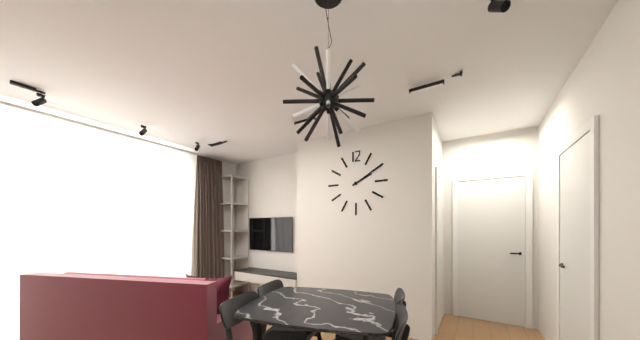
{"hour": 2, "minute": 10}
